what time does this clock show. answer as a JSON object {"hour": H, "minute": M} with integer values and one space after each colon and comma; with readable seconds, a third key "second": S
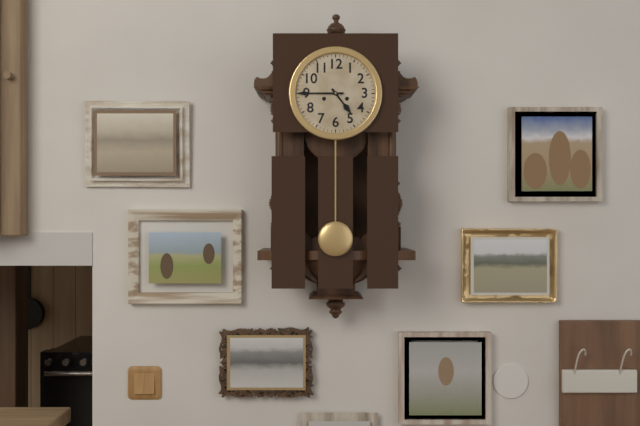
{"hour": 4, "minute": 45}
